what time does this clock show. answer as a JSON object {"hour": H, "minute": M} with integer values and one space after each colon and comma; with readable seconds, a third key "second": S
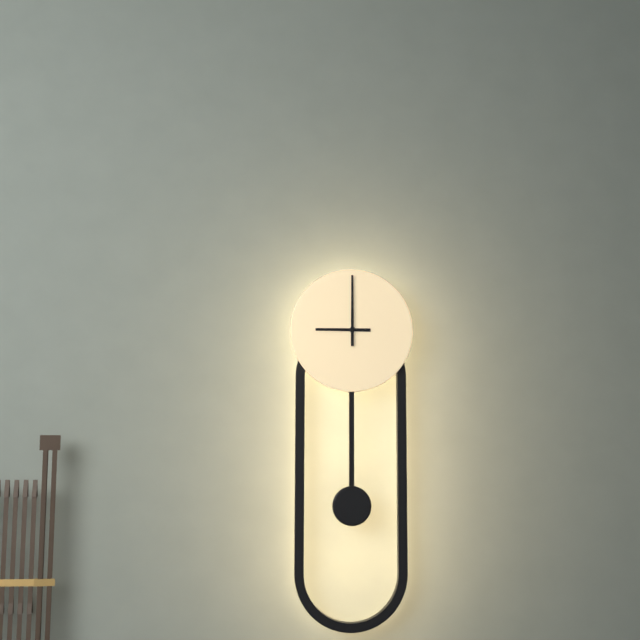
{"hour": 9, "minute": 0}
